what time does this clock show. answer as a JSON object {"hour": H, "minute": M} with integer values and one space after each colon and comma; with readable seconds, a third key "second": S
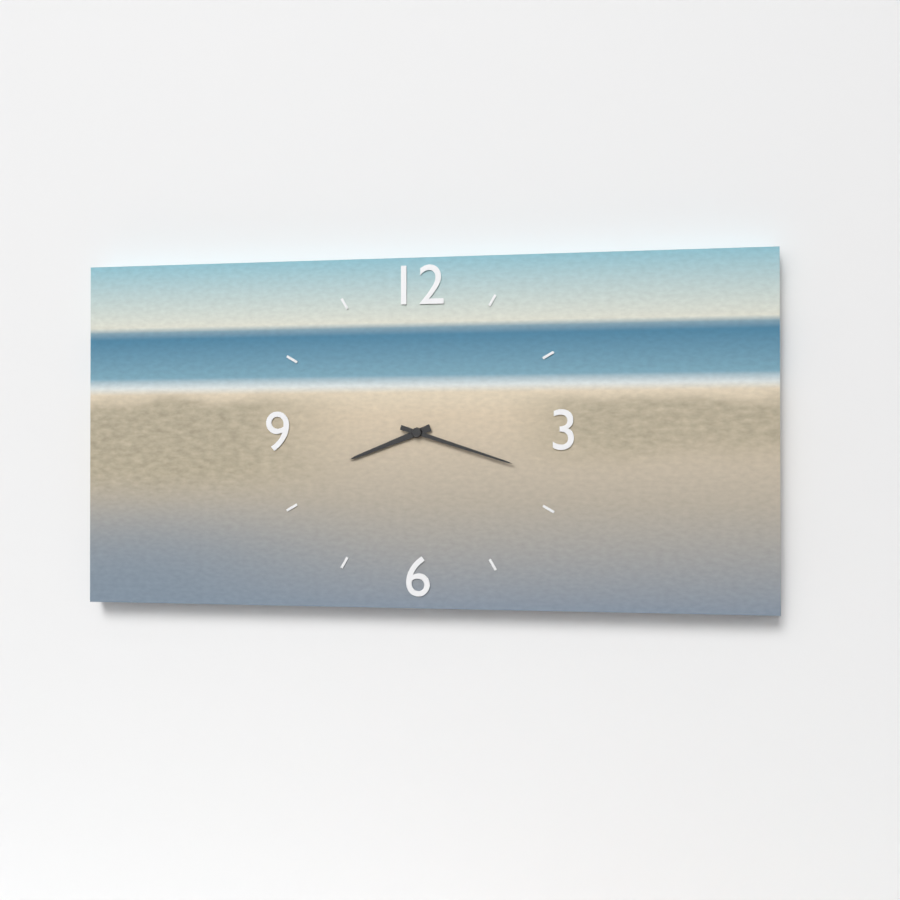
{"hour": 8, "minute": 18}
